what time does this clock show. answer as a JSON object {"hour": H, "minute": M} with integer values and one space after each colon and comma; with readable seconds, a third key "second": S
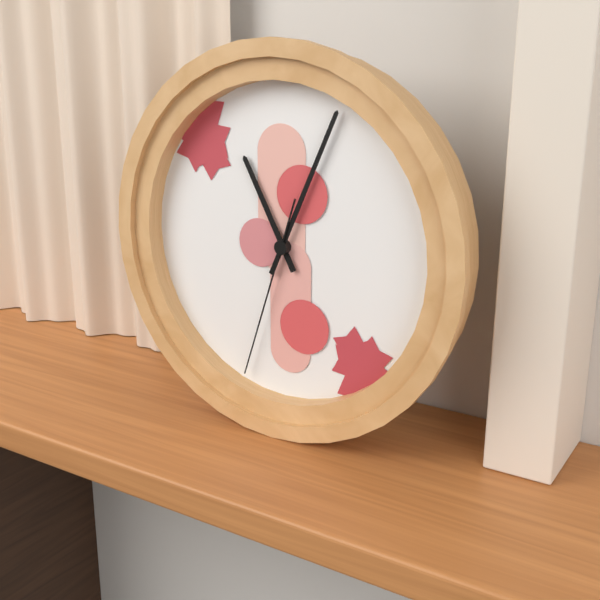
{"hour": 11, "minute": 4, "second": 33}
